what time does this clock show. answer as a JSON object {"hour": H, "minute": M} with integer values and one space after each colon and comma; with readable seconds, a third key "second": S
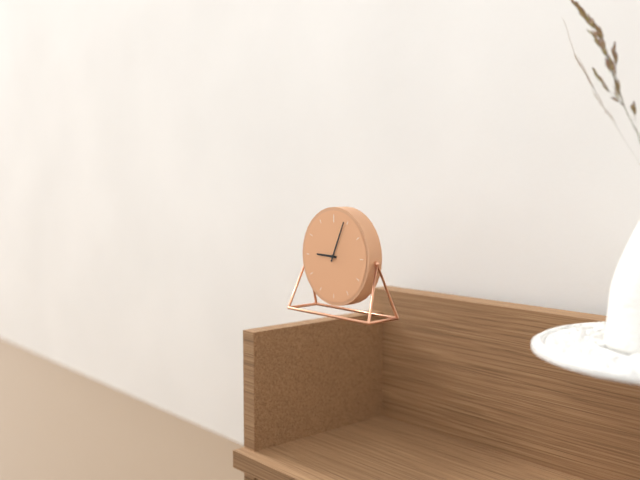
{"hour": 9, "minute": 4}
